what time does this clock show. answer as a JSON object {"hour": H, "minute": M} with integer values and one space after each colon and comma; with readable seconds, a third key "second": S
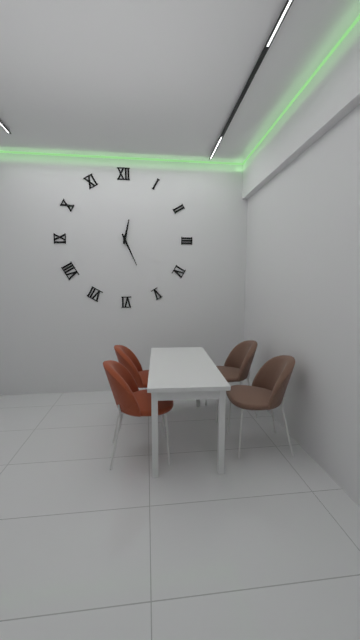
{"hour": 12, "minute": 26}
